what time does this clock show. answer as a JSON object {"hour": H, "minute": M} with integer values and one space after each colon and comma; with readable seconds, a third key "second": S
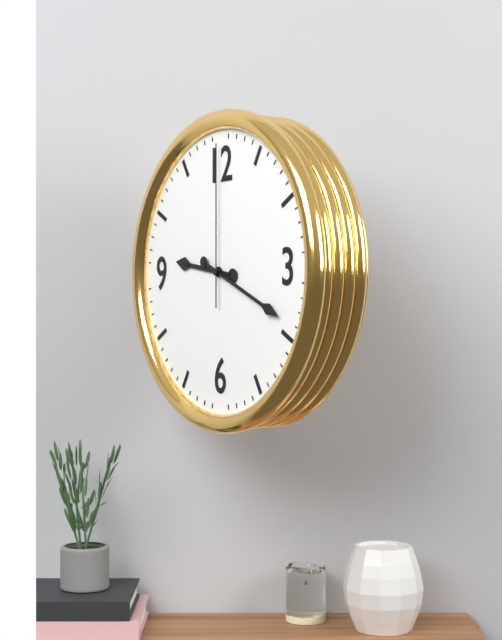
{"hour": 9, "minute": 19, "second": 0}
